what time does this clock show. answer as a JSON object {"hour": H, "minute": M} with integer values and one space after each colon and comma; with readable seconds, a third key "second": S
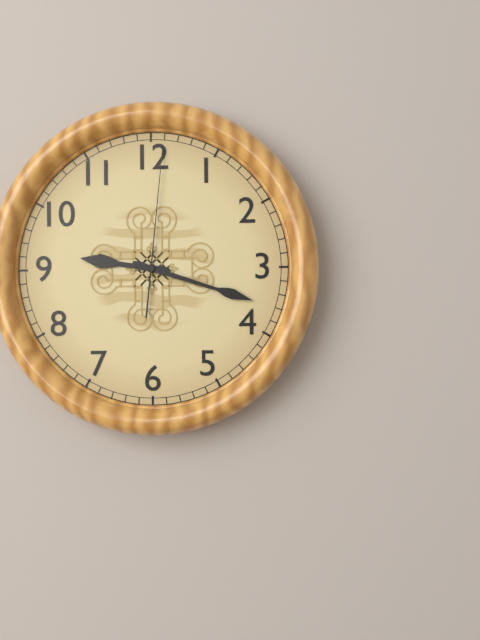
{"hour": 9, "minute": 18, "second": 1}
